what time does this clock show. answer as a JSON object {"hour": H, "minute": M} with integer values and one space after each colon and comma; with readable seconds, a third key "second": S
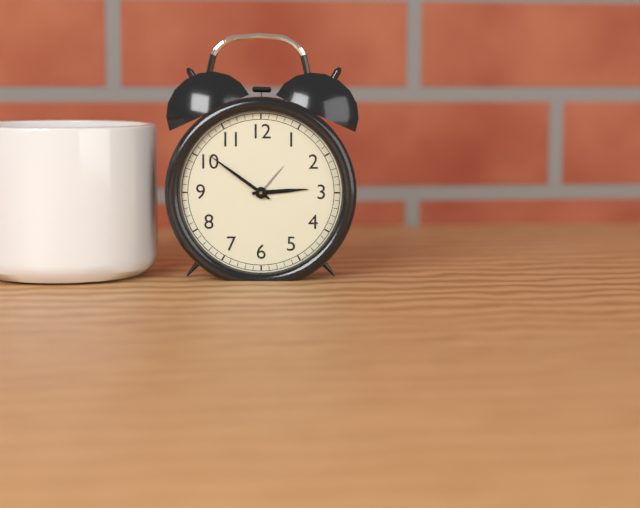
{"hour": 2, "minute": 51}
